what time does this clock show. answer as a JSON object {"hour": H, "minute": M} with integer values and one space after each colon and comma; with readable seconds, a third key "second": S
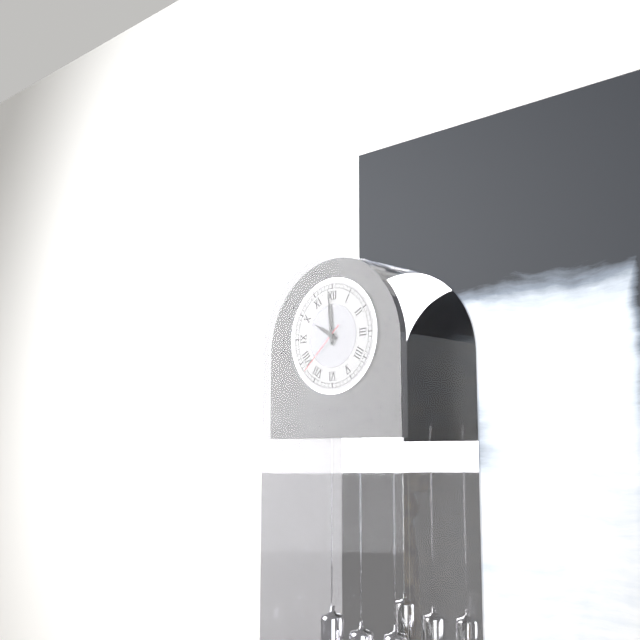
{"hour": 9, "minute": 59, "second": 38}
